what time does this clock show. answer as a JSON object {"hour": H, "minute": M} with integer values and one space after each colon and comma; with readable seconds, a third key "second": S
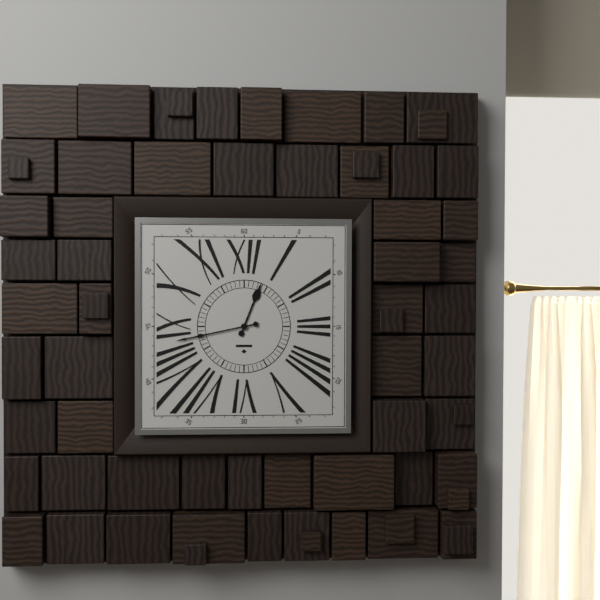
{"hour": 12, "minute": 43}
